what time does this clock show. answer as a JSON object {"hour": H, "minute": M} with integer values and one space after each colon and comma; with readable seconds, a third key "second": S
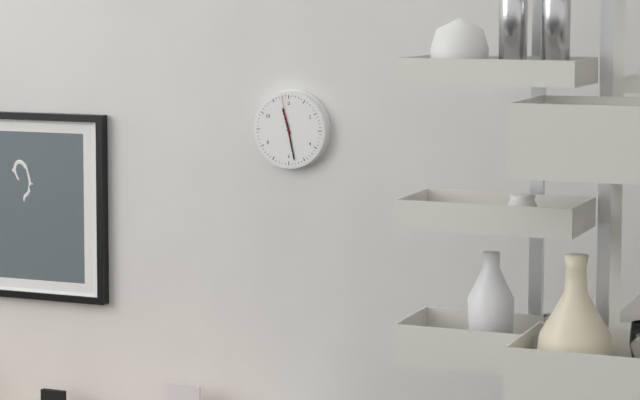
{"hour": 11, "minute": 28}
